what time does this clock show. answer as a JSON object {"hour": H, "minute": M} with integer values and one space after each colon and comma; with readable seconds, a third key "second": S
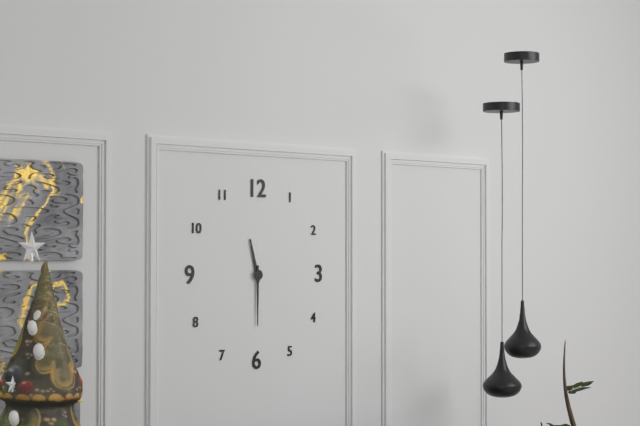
{"hour": 11, "minute": 30}
